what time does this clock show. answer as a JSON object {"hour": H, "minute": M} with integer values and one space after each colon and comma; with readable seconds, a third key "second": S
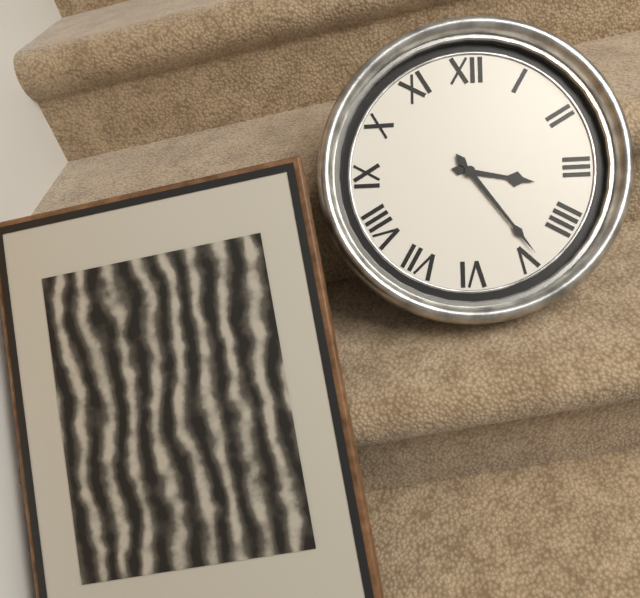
{"hour": 3, "minute": 24}
